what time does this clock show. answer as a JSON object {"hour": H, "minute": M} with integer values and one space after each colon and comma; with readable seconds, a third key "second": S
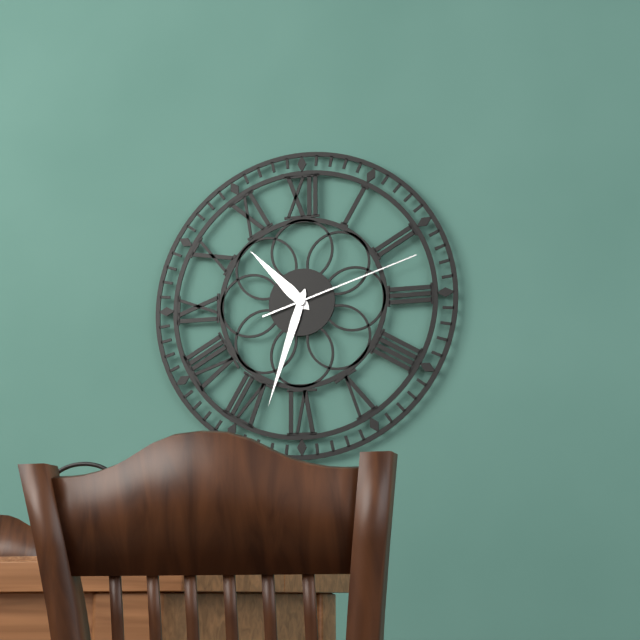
{"hour": 10, "minute": 33, "second": 12}
